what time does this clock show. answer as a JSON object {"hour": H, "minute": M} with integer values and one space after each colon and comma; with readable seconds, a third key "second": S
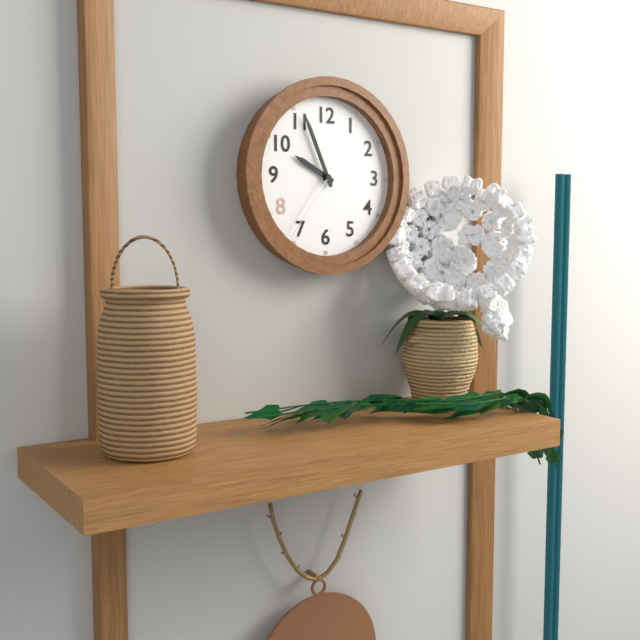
{"hour": 9, "minute": 56, "second": 36}
